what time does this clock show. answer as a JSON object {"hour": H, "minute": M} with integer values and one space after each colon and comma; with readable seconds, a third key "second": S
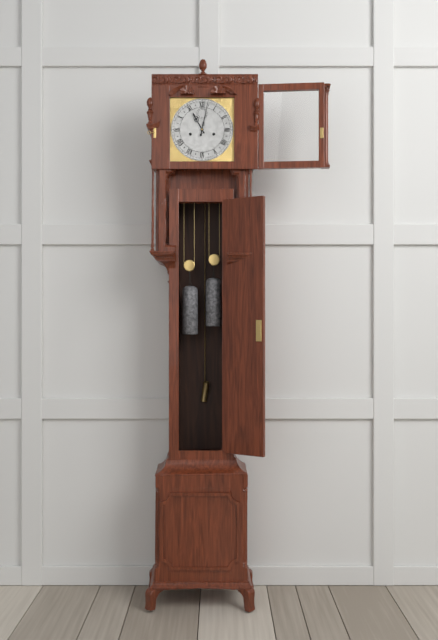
{"hour": 11, "minute": 2}
